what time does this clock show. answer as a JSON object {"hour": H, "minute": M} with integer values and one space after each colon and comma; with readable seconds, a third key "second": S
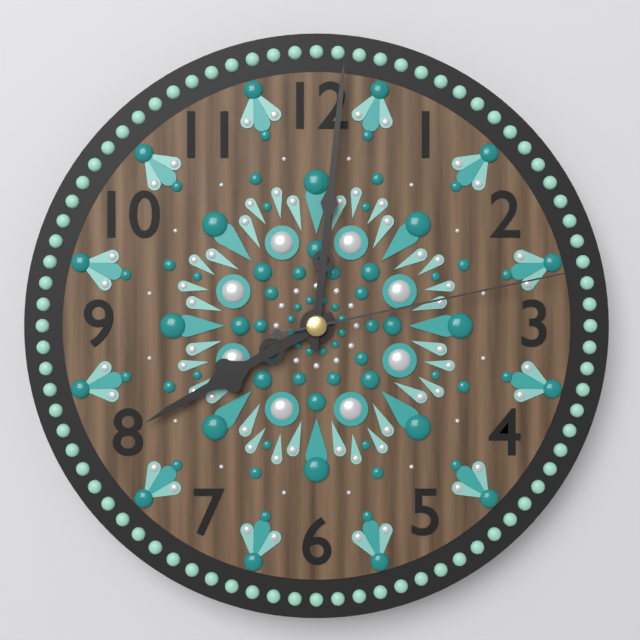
{"hour": 8, "minute": 1, "second": 13}
